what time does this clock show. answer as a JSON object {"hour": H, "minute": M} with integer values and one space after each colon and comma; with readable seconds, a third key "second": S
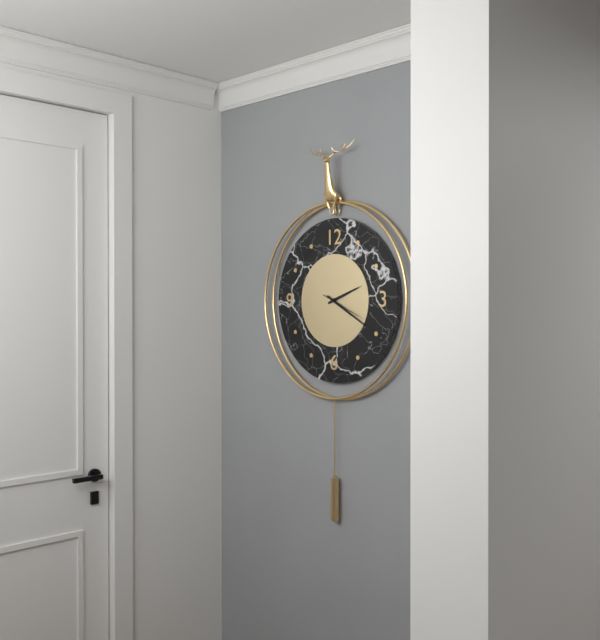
{"hour": 2, "minute": 20}
